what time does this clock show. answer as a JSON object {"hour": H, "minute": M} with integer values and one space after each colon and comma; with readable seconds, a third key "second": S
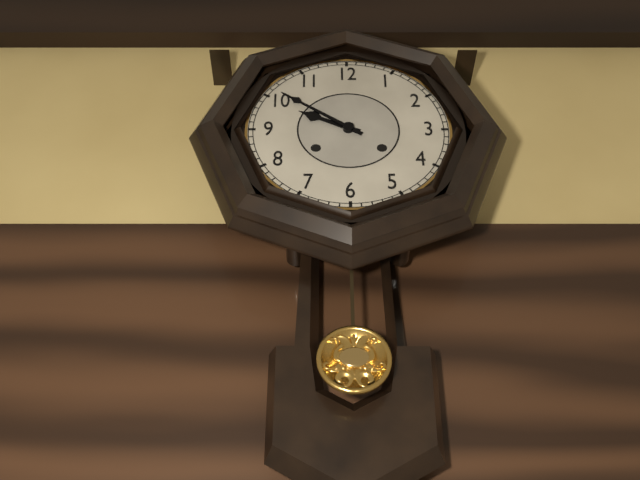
{"hour": 9, "minute": 51}
